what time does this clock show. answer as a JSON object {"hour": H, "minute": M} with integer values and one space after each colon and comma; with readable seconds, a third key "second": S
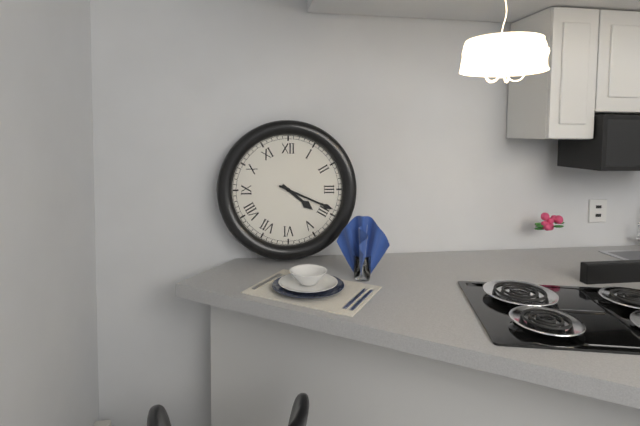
{"hour": 4, "minute": 19}
